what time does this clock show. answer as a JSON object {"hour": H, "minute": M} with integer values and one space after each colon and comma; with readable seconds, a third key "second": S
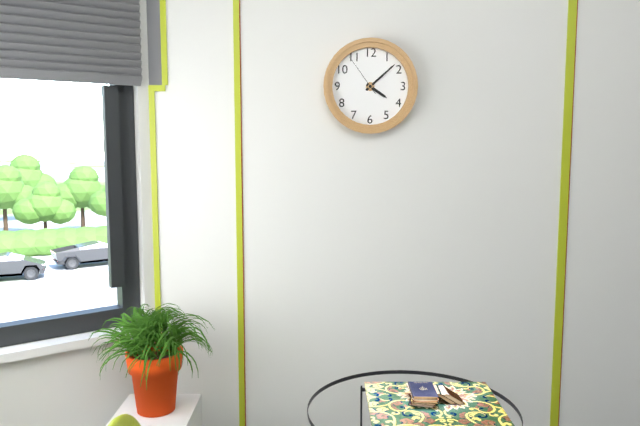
{"hour": 4, "minute": 8}
